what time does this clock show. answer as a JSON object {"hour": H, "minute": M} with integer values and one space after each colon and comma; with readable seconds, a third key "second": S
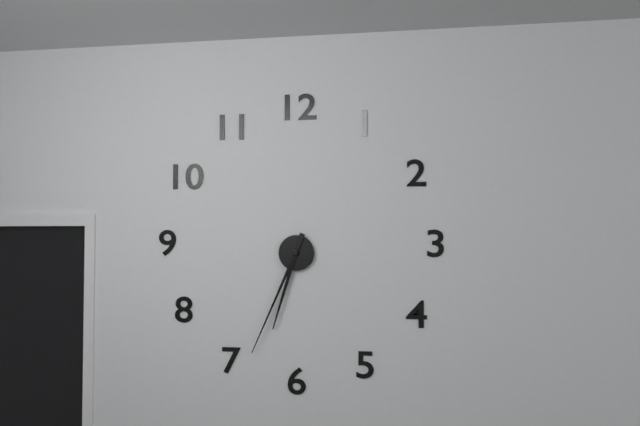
{"hour": 6, "minute": 34}
